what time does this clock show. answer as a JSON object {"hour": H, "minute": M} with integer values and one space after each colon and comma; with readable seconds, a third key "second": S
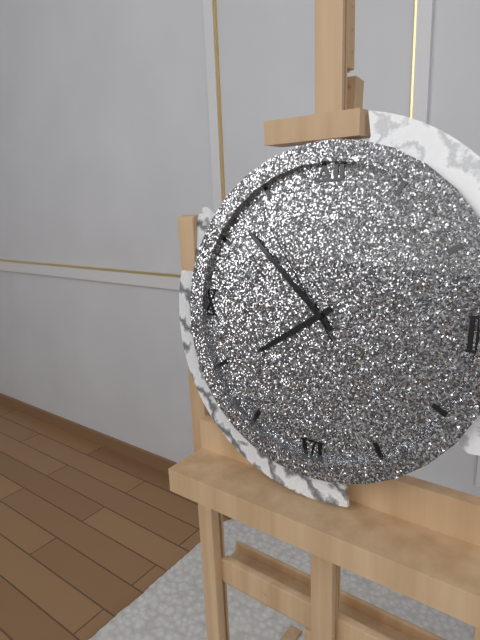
{"hour": 7, "minute": 52, "second": 54}
